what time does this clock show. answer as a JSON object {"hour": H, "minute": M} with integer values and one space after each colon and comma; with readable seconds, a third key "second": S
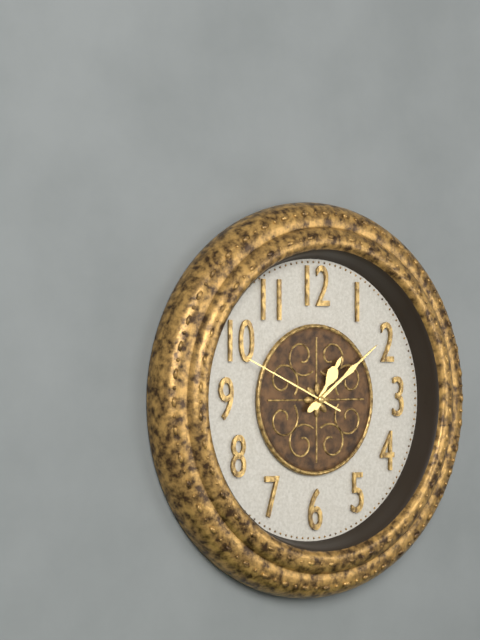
{"hour": 1, "minute": 9, "second": 49}
